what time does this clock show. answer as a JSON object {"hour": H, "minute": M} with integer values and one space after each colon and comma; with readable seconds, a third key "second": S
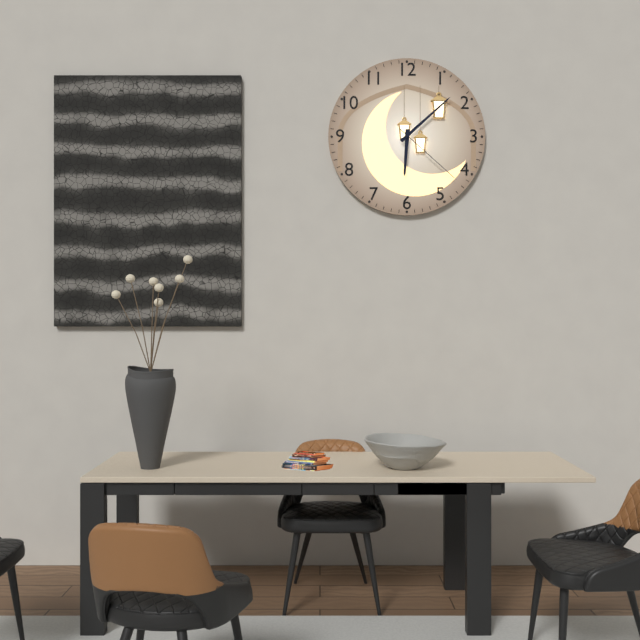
{"hour": 6, "minute": 8, "second": 22}
